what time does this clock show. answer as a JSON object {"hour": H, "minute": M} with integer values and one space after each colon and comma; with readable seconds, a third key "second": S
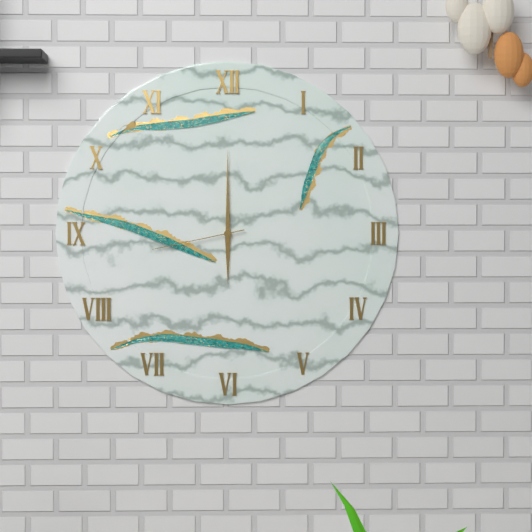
{"hour": 6, "minute": 0, "second": 43}
